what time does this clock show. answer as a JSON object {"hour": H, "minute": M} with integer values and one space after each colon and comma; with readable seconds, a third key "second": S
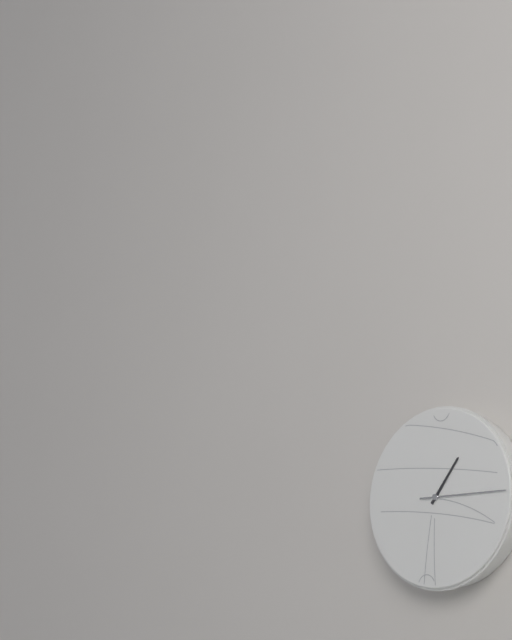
{"hour": 1, "minute": 15}
